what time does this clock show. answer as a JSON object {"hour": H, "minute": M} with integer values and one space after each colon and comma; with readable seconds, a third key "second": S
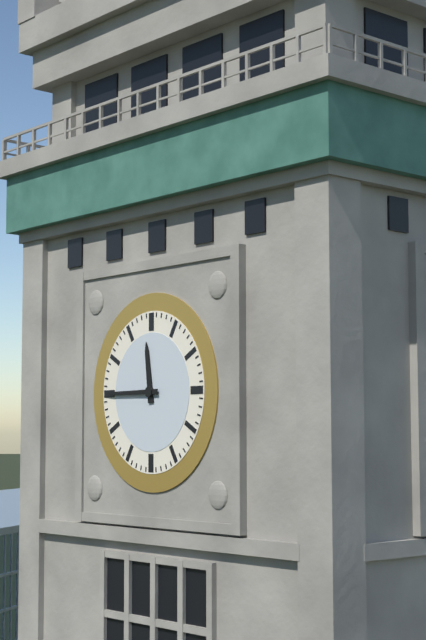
{"hour": 11, "minute": 45}
